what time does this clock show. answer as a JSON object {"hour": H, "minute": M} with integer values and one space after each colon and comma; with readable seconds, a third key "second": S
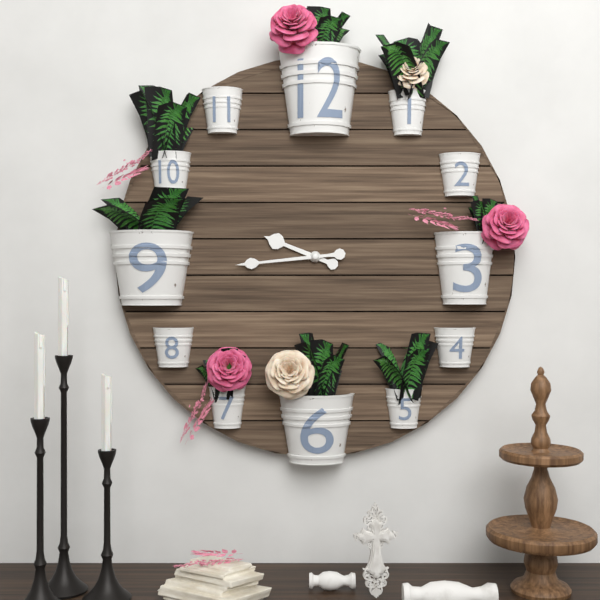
{"hour": 9, "minute": 44}
